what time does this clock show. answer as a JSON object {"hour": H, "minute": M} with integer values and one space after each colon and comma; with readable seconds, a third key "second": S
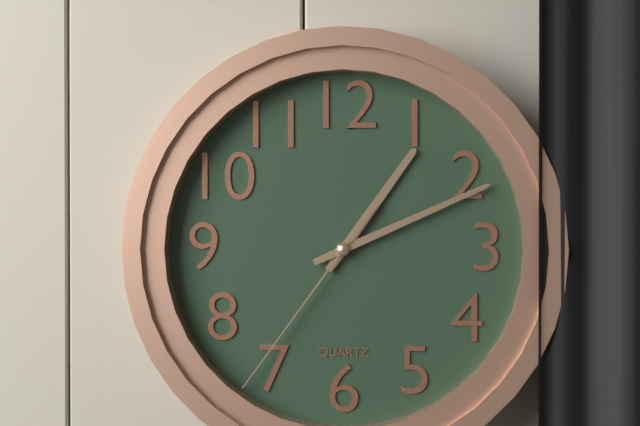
{"hour": 1, "minute": 11, "second": 36}
